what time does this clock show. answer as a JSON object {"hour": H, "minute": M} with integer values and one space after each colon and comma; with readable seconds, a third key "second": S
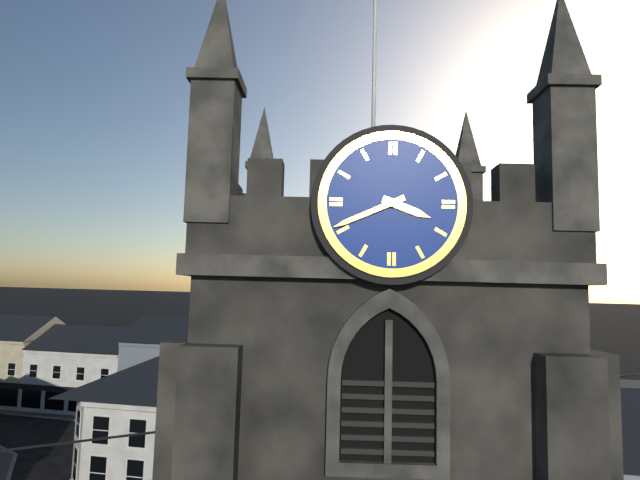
{"hour": 3, "minute": 41}
